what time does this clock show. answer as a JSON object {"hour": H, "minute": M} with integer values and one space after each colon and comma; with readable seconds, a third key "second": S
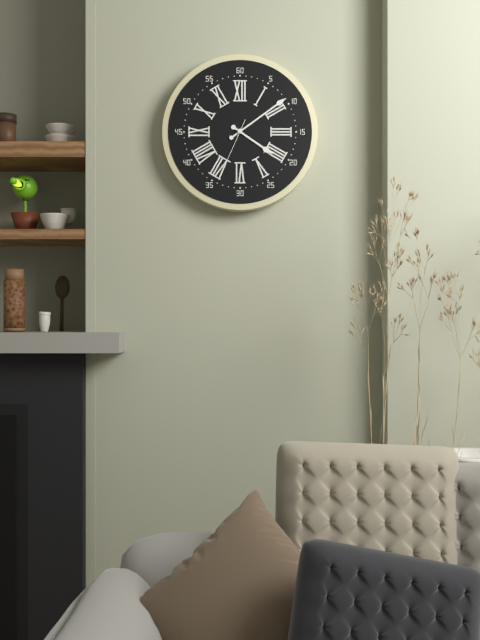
{"hour": 4, "minute": 9, "second": 34}
